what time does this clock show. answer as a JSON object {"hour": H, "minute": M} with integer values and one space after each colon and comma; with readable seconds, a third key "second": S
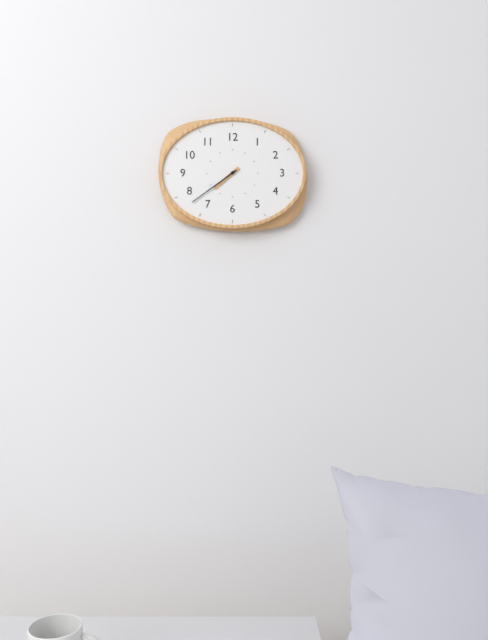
{"hour": 7, "minute": 39}
